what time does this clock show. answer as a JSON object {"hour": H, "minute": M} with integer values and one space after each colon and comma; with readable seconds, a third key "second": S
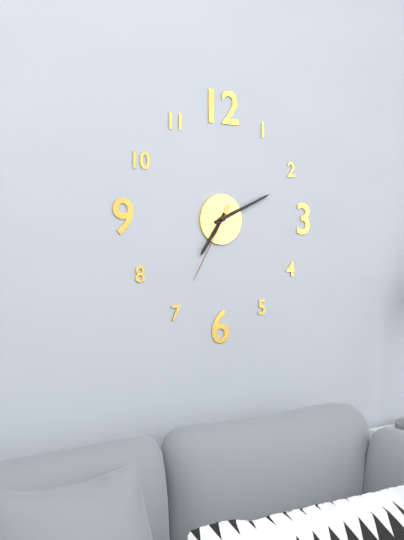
{"hour": 7, "minute": 11, "second": 35}
